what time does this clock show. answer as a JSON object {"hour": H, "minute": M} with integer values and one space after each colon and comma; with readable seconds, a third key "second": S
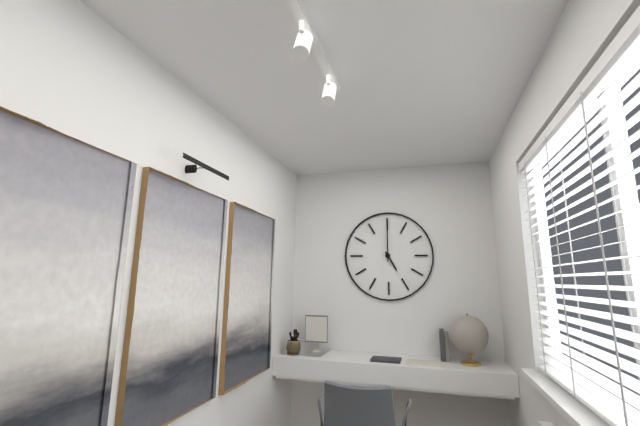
{"hour": 5, "minute": 0}
